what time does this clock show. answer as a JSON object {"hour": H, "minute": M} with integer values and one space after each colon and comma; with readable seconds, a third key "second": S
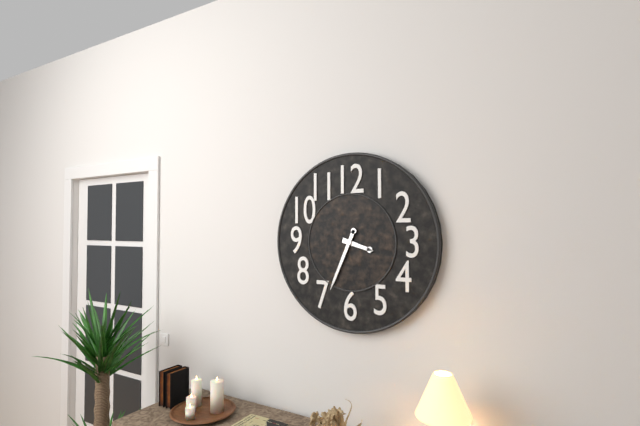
{"hour": 3, "minute": 34}
